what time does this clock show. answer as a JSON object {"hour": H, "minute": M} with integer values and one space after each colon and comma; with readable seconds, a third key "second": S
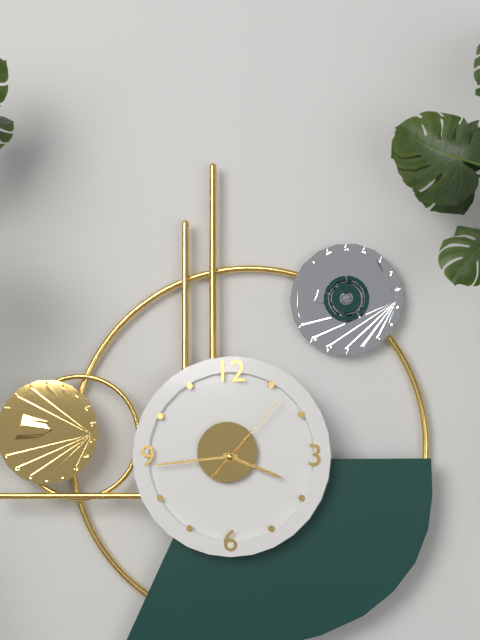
{"hour": 3, "minute": 44, "second": 7}
